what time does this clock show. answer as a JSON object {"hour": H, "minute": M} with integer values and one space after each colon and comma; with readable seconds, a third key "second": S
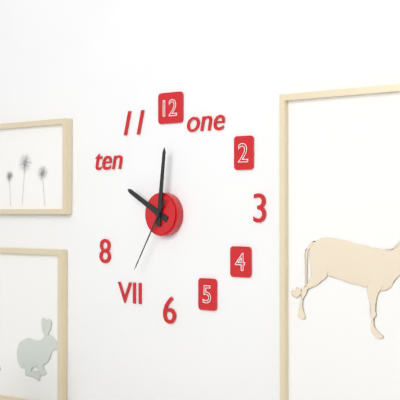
{"hour": 10, "minute": 1, "second": 35}
